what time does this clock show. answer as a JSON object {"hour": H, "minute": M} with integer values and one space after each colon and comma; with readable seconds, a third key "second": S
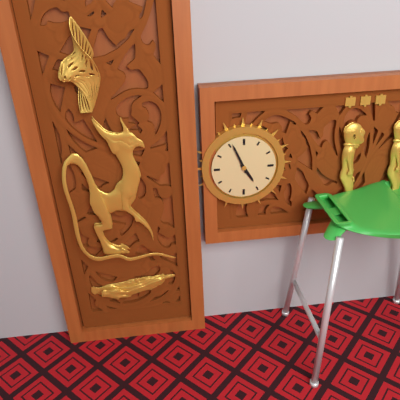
{"hour": 4, "minute": 56}
